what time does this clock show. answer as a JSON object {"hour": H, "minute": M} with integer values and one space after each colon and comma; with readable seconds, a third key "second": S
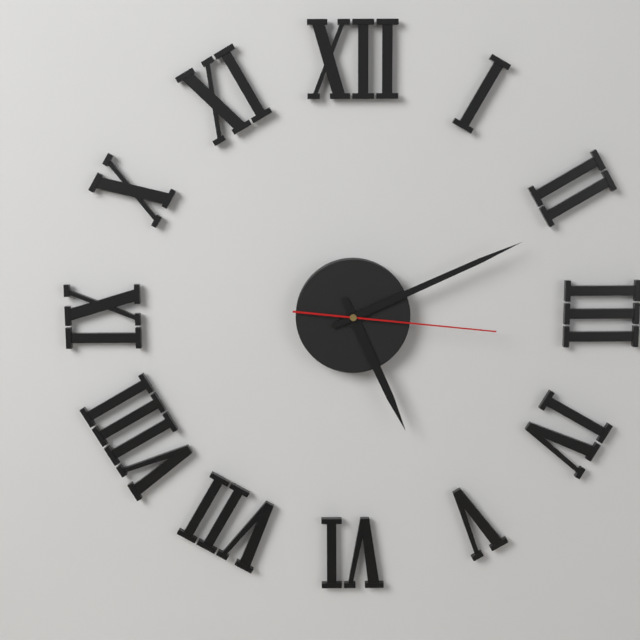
{"hour": 5, "minute": 11, "second": 16}
